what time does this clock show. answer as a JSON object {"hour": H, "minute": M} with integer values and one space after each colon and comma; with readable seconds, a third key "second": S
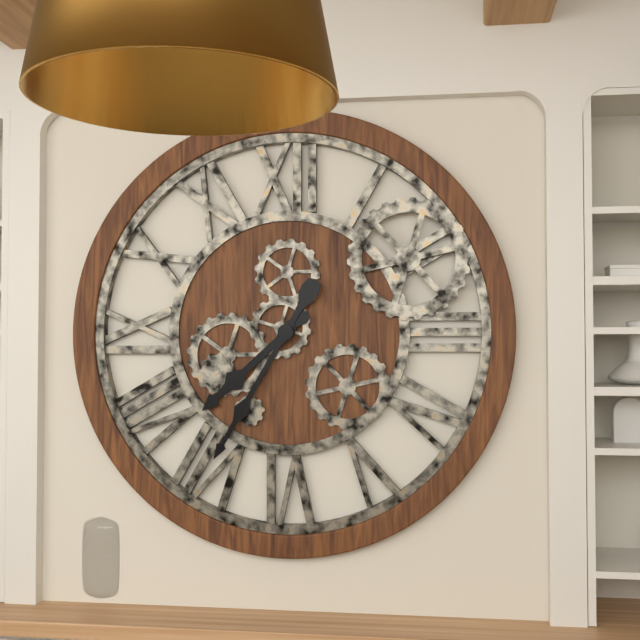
{"hour": 7, "minute": 35}
